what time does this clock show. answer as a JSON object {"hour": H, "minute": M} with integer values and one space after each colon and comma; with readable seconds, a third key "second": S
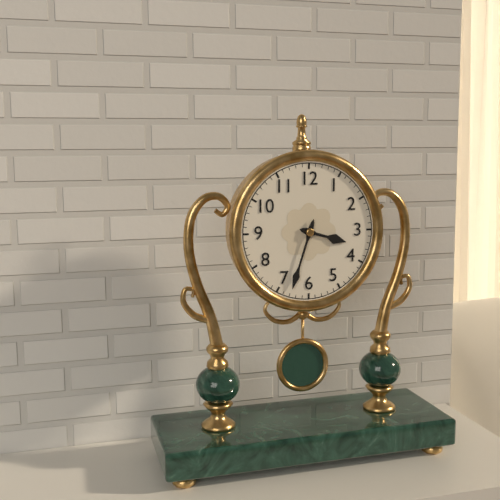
{"hour": 3, "minute": 33}
